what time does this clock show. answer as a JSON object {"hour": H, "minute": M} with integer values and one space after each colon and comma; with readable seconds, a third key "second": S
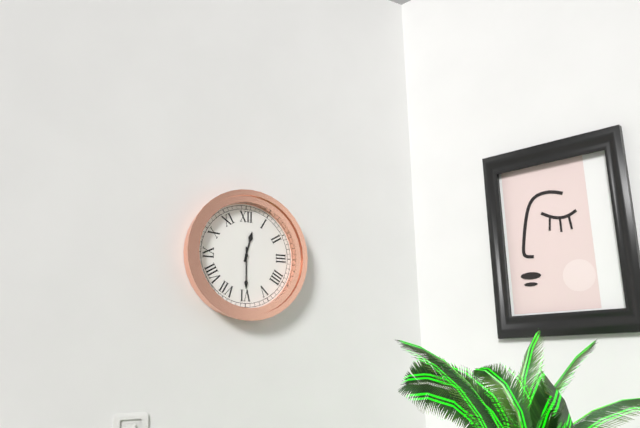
{"hour": 12, "minute": 30}
